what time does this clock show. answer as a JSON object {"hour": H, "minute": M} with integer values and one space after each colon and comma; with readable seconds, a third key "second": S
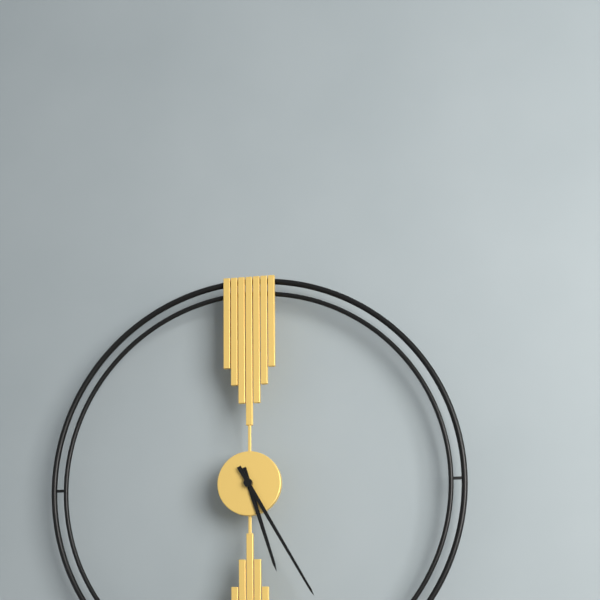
{"hour": 5, "minute": 25}
